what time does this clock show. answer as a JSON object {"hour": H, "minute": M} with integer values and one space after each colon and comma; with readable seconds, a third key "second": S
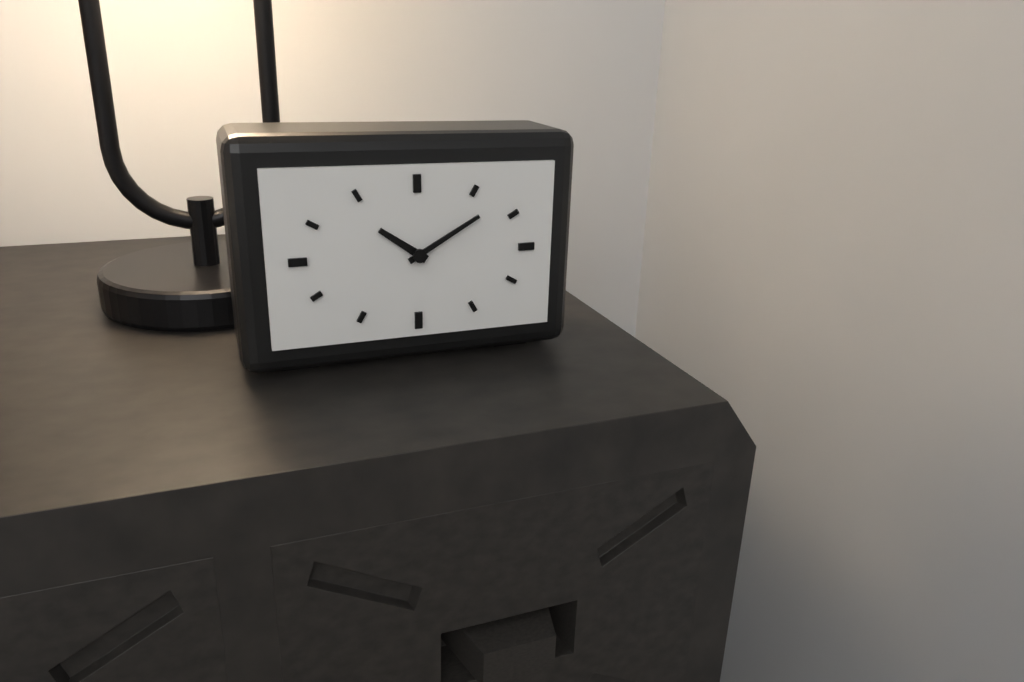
{"hour": 10, "minute": 10}
